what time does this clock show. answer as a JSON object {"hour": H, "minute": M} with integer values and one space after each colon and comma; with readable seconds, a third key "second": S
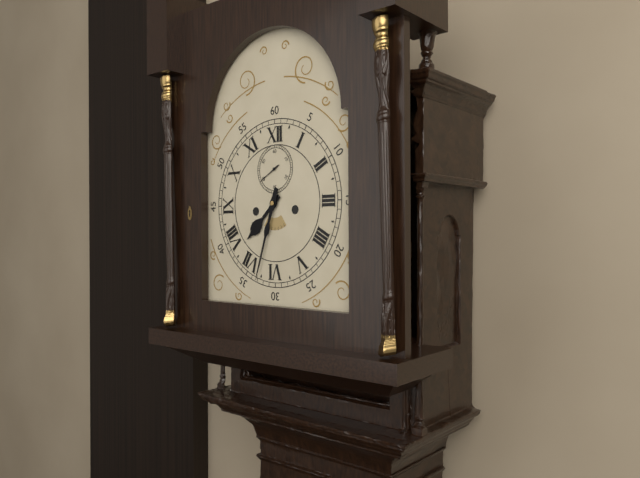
{"hour": 7, "minute": 33}
